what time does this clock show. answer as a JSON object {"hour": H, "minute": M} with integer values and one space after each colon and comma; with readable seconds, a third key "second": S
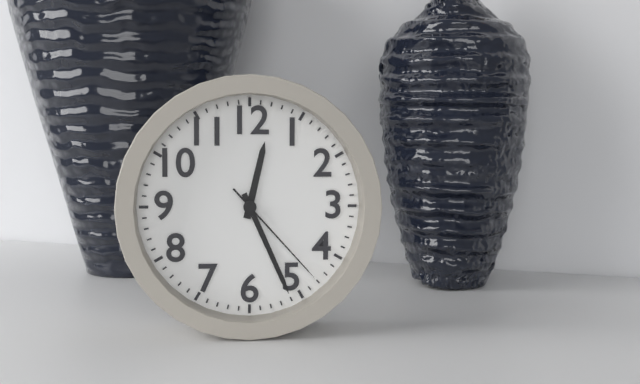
{"hour": 12, "minute": 26, "second": 23}
